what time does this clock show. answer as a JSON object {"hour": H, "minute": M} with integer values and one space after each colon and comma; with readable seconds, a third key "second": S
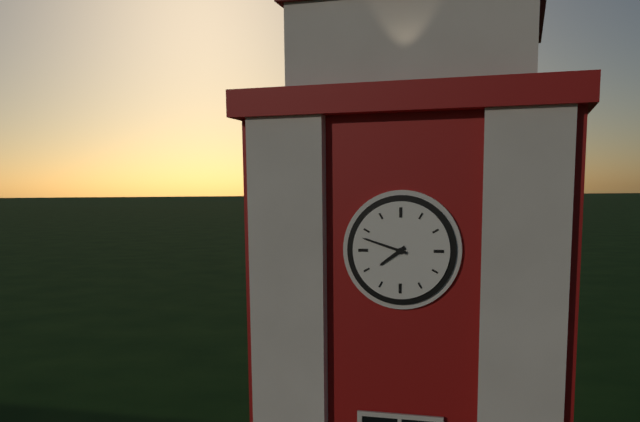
{"hour": 7, "minute": 48}
